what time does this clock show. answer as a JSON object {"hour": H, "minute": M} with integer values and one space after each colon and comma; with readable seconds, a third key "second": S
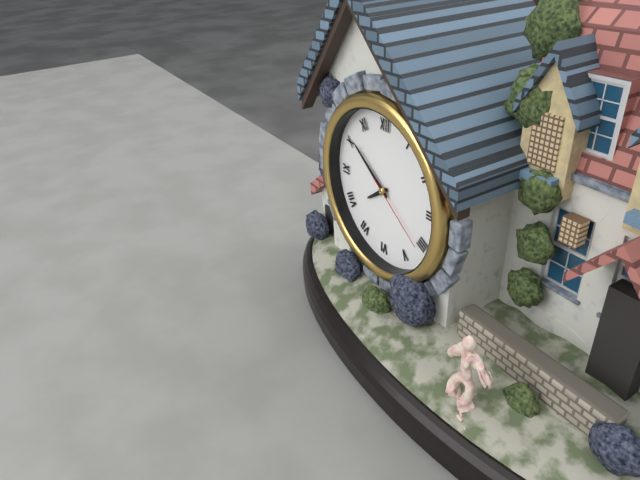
{"hour": 7, "minute": 51, "second": 21}
